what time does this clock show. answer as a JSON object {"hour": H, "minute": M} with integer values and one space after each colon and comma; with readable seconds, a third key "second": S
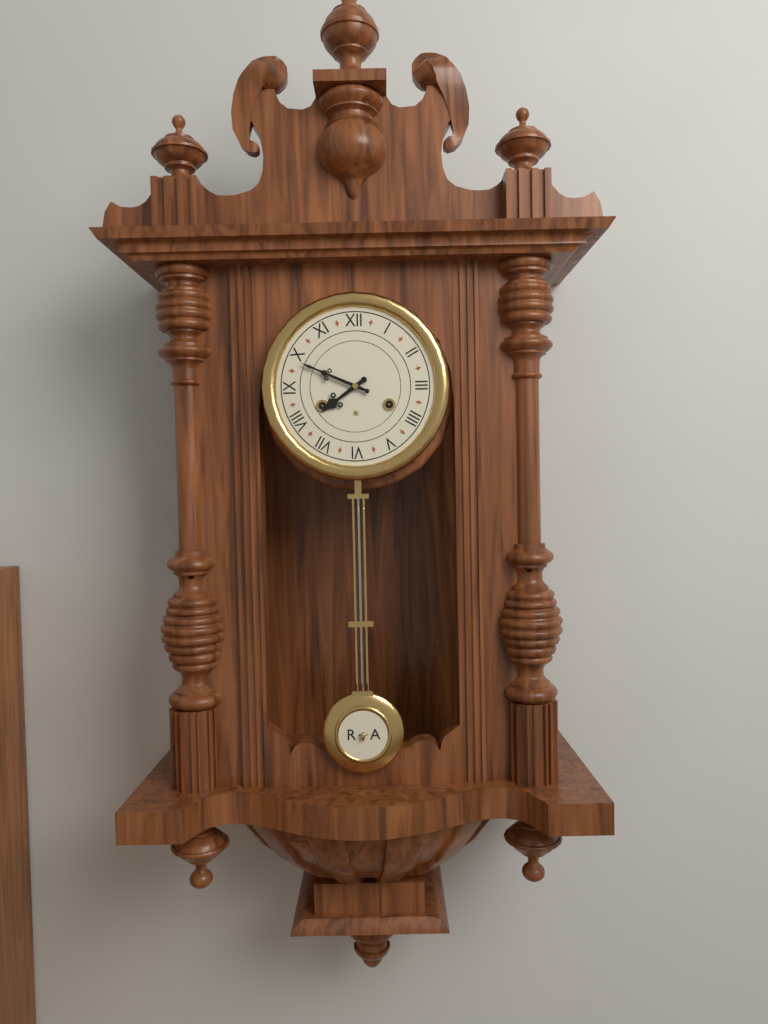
{"hour": 7, "minute": 49}
